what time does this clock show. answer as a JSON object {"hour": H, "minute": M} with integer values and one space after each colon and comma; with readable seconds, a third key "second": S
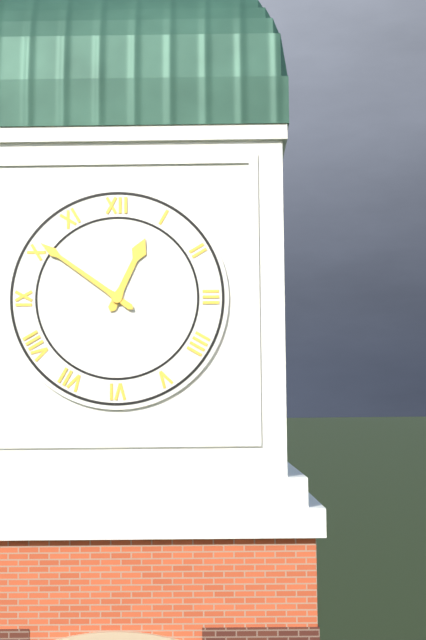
{"hour": 12, "minute": 51}
